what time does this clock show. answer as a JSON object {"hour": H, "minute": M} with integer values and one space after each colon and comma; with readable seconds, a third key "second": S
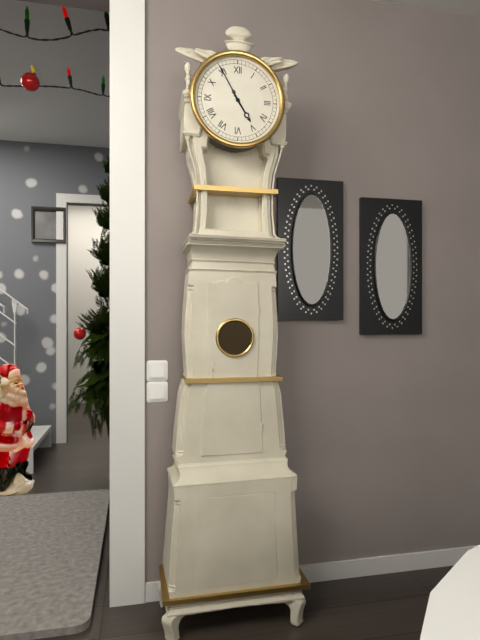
{"hour": 4, "minute": 55}
